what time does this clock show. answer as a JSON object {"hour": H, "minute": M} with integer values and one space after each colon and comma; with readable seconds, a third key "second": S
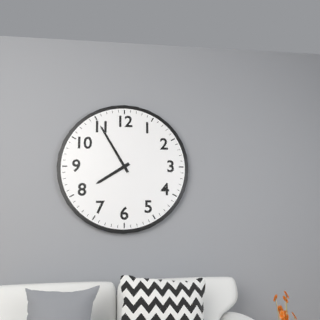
{"hour": 7, "minute": 55}
